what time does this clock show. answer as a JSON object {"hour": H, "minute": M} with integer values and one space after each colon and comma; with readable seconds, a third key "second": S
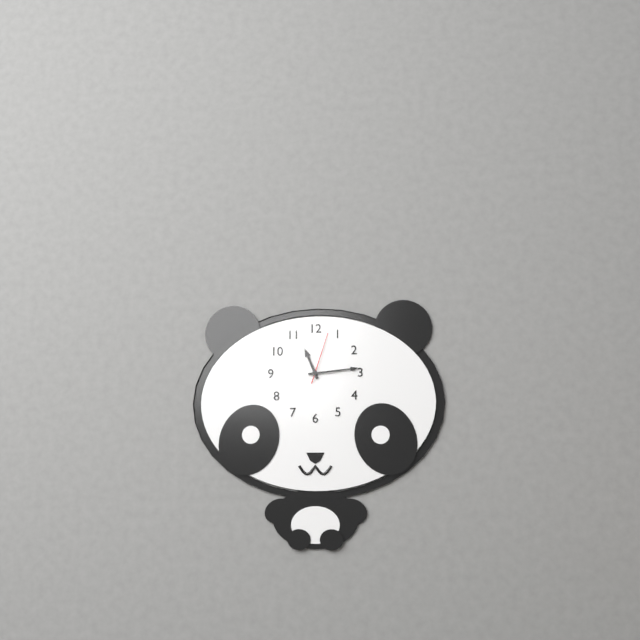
{"hour": 11, "minute": 14, "second": 3}
